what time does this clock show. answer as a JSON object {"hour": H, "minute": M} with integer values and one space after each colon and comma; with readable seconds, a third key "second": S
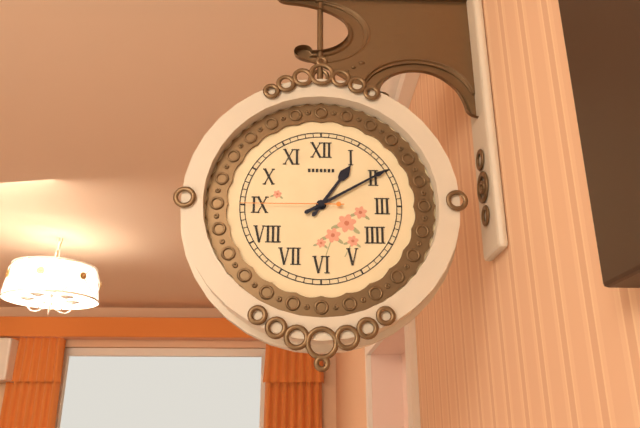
{"hour": 1, "minute": 10, "second": 45}
